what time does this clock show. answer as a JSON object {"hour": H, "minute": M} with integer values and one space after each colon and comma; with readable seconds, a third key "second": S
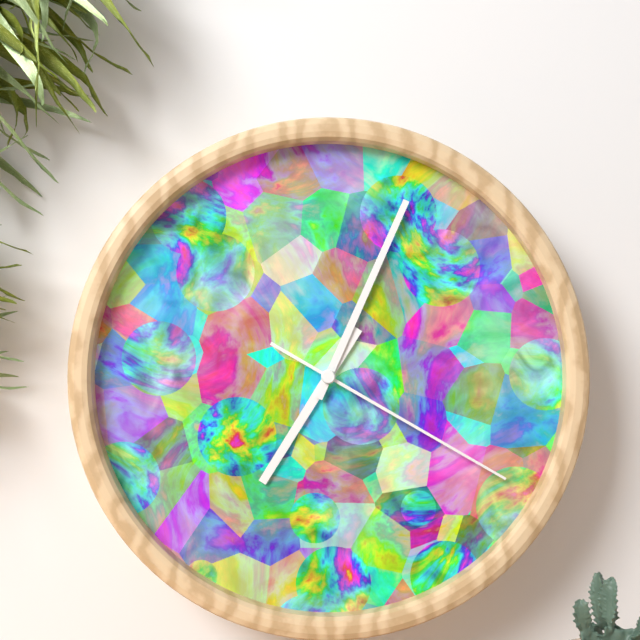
{"hour": 7, "minute": 4, "second": 20}
